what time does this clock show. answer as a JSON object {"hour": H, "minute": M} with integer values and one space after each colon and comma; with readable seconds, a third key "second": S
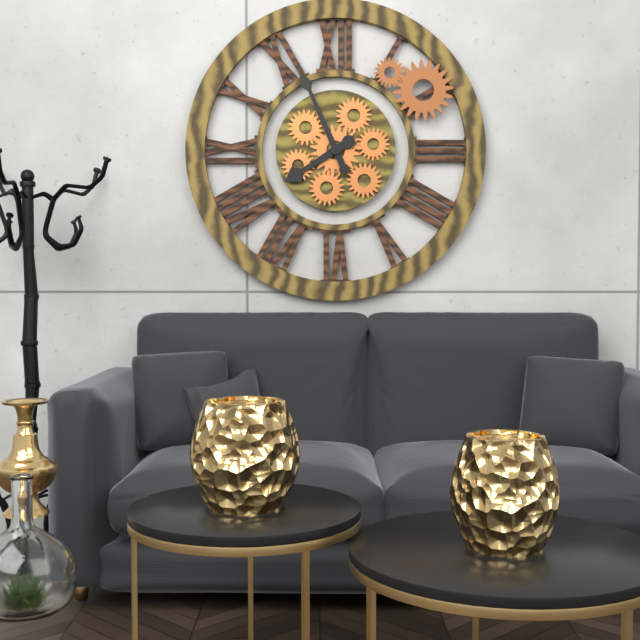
{"hour": 7, "minute": 56}
